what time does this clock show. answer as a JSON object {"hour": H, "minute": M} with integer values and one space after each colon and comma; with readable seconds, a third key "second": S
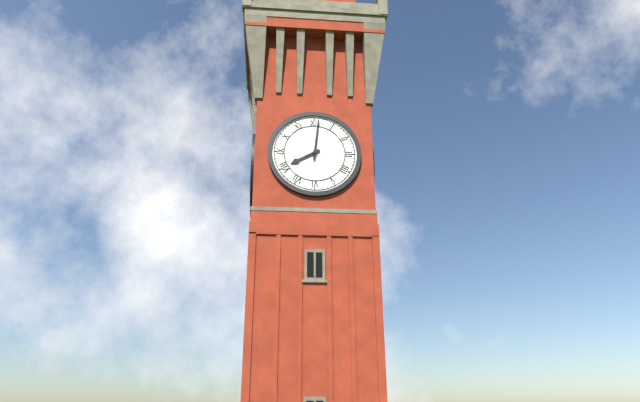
{"hour": 8, "minute": 1}
